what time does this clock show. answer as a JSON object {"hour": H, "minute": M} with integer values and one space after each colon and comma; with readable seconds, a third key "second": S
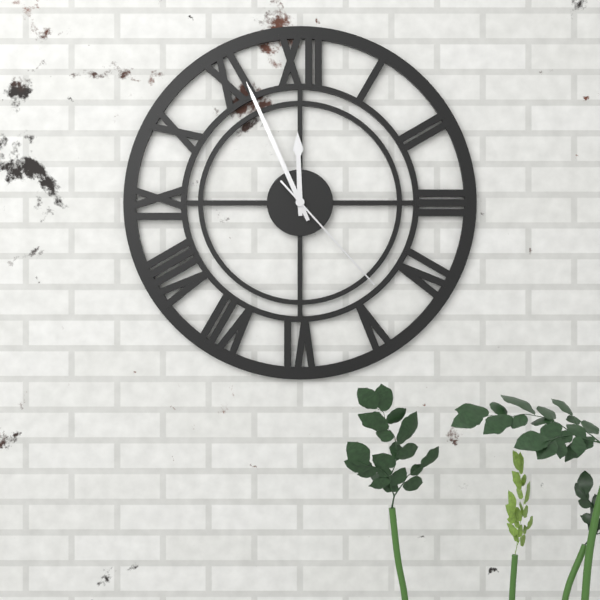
{"hour": 11, "minute": 56, "second": 23}
